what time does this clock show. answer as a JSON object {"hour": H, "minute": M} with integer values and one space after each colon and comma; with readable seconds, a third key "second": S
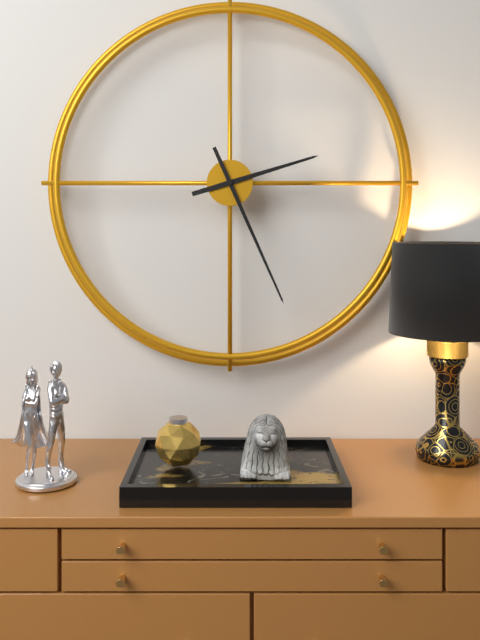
{"hour": 2, "minute": 26}
